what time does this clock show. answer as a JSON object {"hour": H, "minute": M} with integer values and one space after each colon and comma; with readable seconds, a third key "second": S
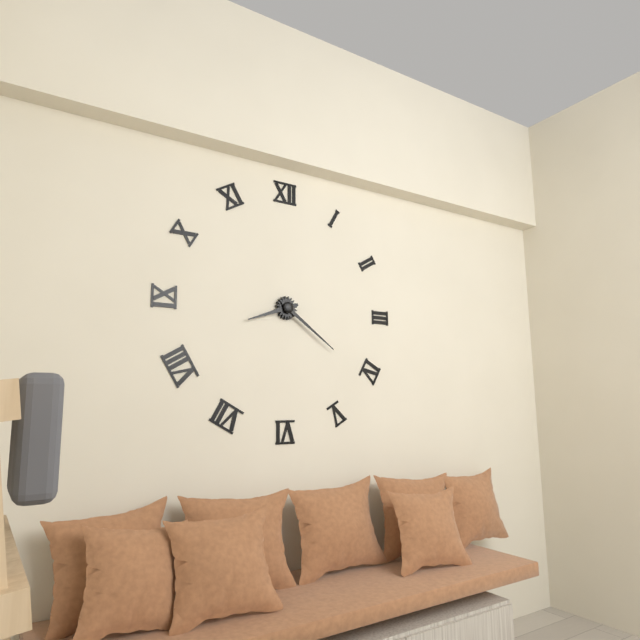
{"hour": 8, "minute": 21}
